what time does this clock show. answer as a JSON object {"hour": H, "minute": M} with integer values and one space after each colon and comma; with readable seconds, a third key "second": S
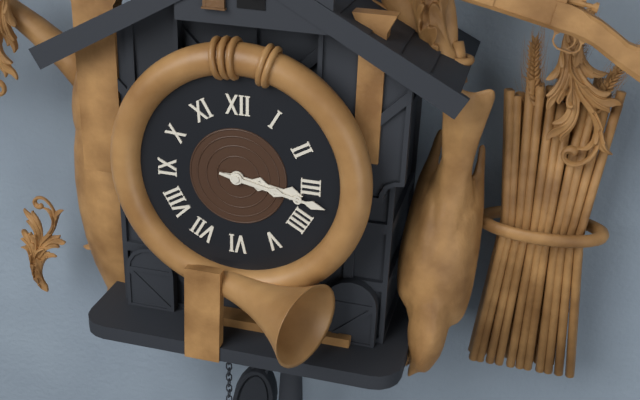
{"hour": 3, "minute": 17}
